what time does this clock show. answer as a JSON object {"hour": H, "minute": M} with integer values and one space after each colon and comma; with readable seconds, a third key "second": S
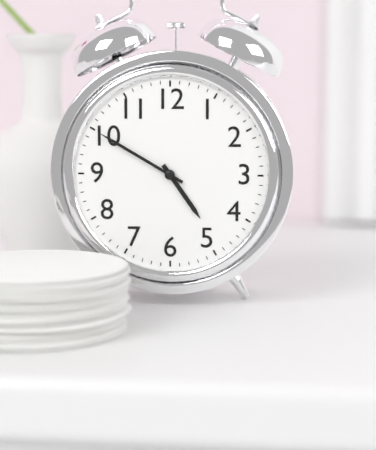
{"hour": 4, "minute": 50}
